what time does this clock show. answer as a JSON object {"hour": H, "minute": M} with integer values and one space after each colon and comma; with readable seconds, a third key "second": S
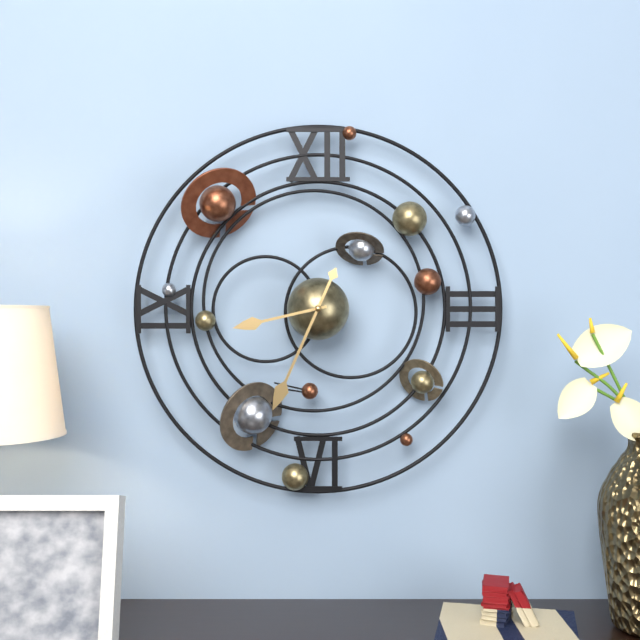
{"hour": 8, "minute": 34}
